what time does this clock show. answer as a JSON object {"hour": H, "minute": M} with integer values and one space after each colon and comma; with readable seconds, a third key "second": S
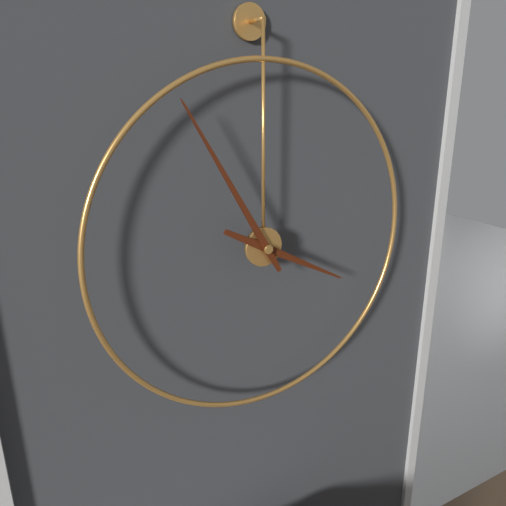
{"hour": 3, "minute": 55}
